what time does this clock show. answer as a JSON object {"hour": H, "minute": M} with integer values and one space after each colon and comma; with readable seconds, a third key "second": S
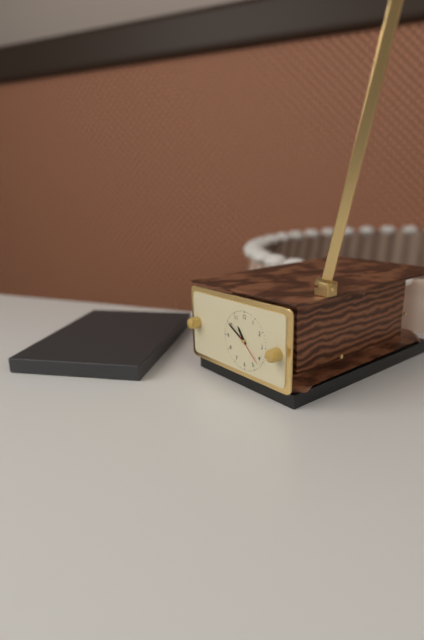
{"hour": 10, "minute": 50}
